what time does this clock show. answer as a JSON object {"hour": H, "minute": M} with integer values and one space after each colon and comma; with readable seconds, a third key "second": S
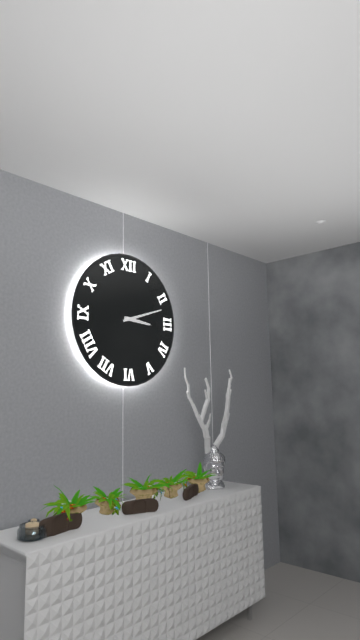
{"hour": 3, "minute": 12}
